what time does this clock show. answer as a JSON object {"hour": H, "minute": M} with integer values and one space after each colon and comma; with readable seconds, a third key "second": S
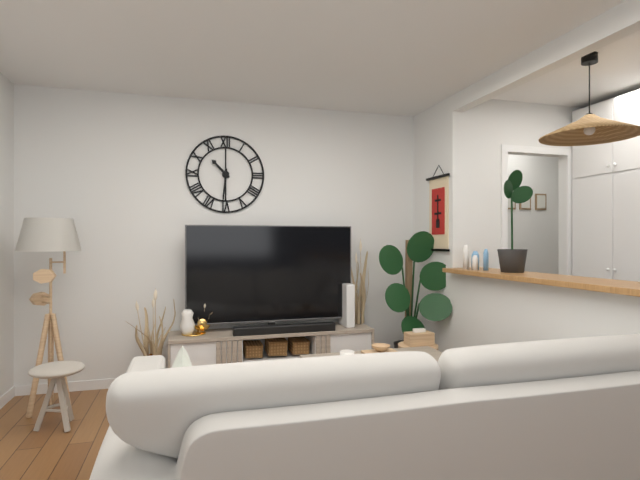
{"hour": 10, "minute": 31}
